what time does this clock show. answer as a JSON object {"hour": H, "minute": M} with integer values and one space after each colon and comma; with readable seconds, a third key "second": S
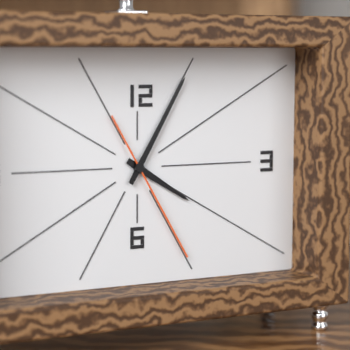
{"hour": 4, "minute": 5, "second": 25}
